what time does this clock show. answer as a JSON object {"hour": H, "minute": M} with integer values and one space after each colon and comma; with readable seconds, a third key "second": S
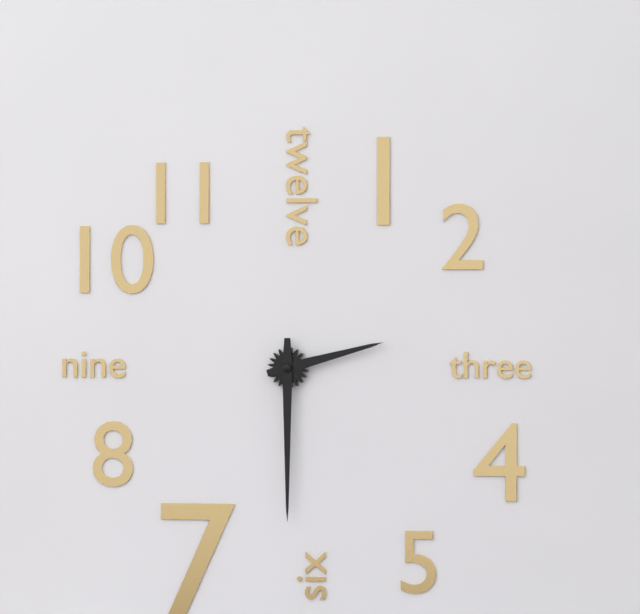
{"hour": 2, "minute": 30}
